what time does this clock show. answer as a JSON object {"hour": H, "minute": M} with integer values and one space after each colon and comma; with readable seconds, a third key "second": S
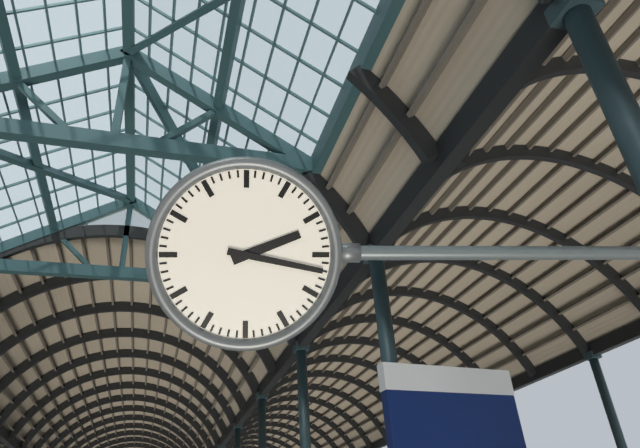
{"hour": 2, "minute": 17}
